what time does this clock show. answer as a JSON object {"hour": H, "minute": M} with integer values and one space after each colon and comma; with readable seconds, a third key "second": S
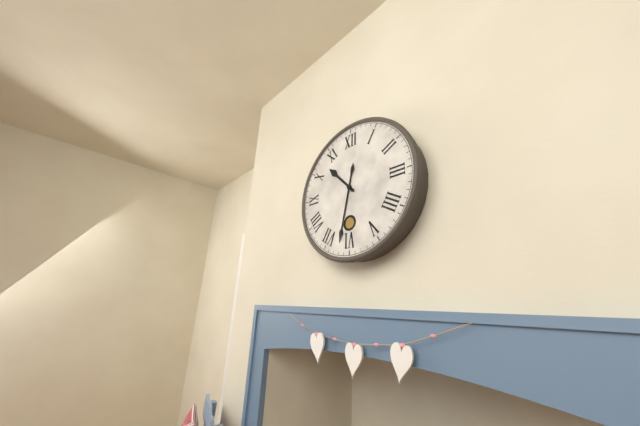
{"hour": 10, "minute": 32}
